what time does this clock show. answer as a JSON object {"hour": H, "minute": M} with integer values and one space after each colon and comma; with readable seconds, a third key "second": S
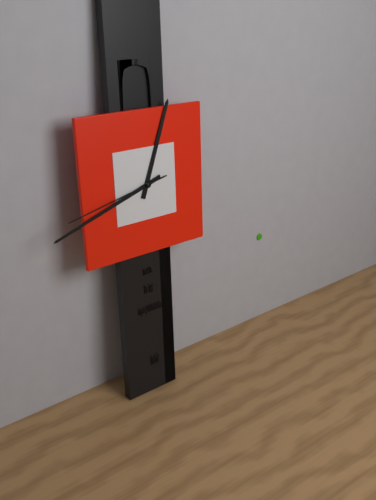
{"hour": 12, "minute": 42, "second": 43}
